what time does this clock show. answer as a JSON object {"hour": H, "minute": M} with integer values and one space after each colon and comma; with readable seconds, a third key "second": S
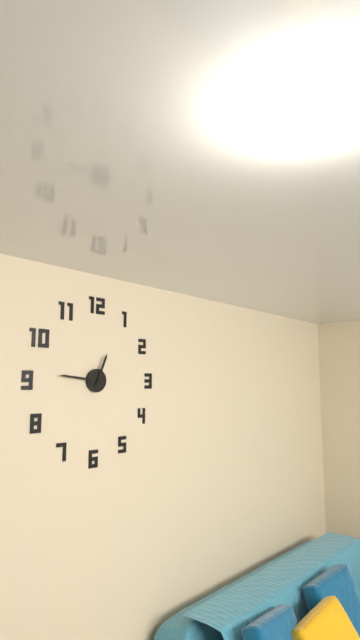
{"hour": 12, "minute": 46}
